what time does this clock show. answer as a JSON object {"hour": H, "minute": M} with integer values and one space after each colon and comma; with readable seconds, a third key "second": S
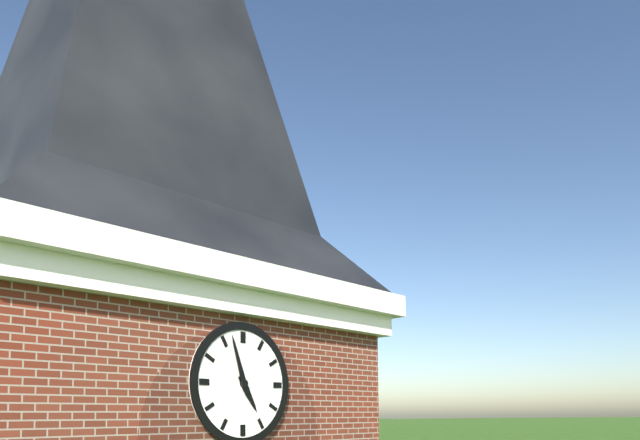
{"hour": 4, "minute": 57}
